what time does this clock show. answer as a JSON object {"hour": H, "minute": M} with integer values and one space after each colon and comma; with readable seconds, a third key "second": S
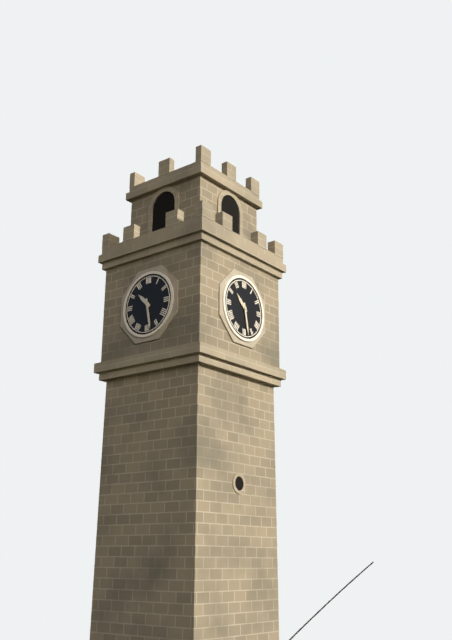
{"hour": 10, "minute": 28}
